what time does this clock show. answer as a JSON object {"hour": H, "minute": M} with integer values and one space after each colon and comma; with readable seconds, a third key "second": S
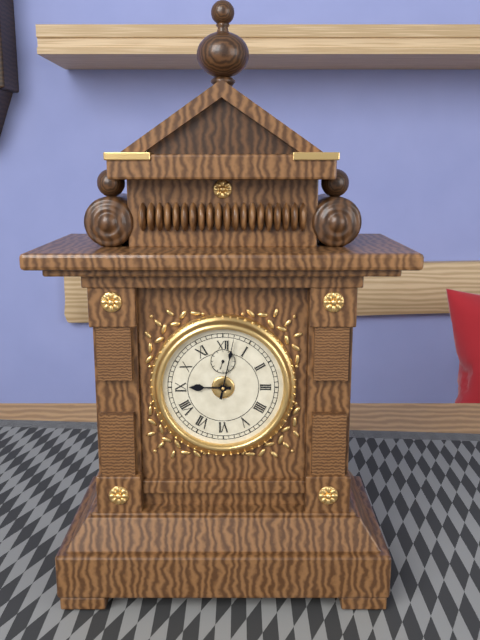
{"hour": 9, "minute": 2}
